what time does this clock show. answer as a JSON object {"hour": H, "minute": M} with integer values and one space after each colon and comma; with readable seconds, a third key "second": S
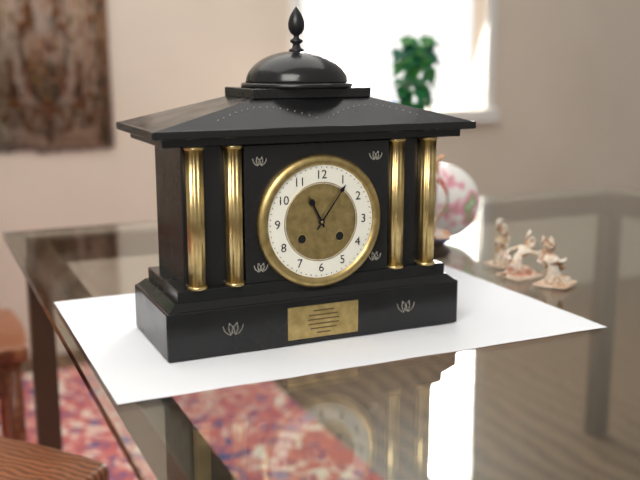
{"hour": 11, "minute": 6}
